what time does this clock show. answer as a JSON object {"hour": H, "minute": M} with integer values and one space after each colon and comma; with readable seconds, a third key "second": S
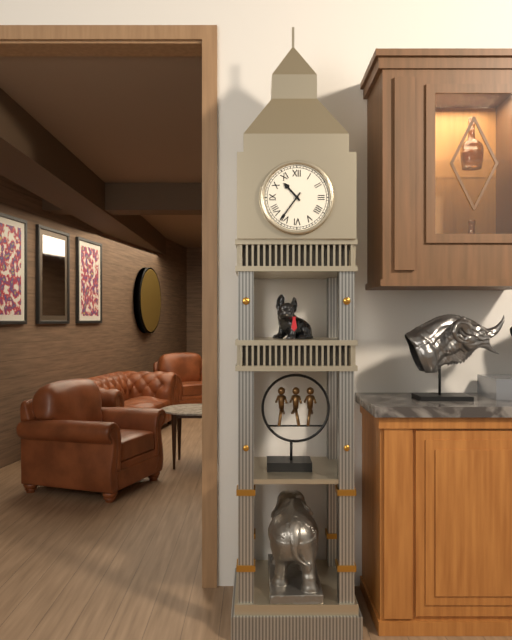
{"hour": 10, "minute": 36}
